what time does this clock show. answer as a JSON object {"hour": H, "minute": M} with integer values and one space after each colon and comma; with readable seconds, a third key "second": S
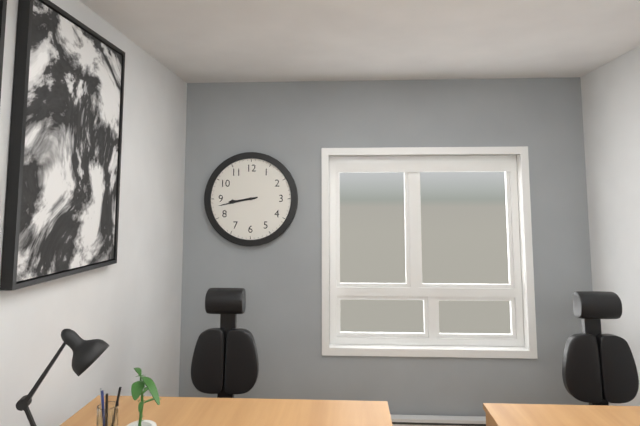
{"hour": 8, "minute": 43}
